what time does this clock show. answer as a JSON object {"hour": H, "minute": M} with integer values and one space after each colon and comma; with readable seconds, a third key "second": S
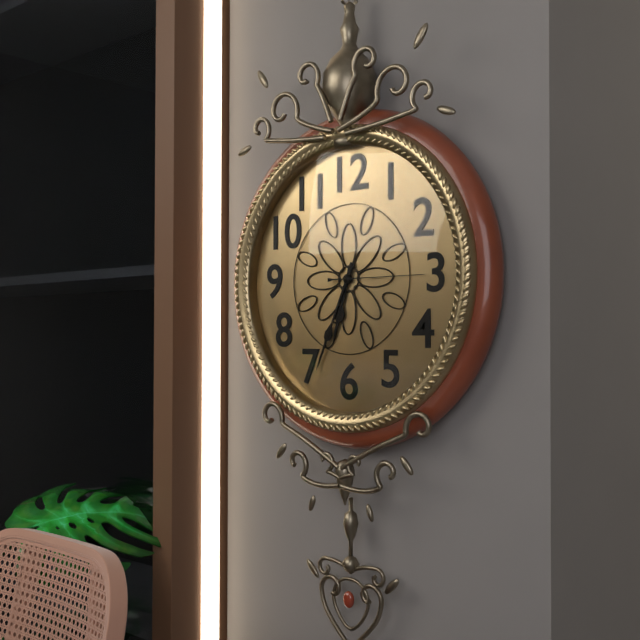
{"hour": 6, "minute": 34, "second": 15}
